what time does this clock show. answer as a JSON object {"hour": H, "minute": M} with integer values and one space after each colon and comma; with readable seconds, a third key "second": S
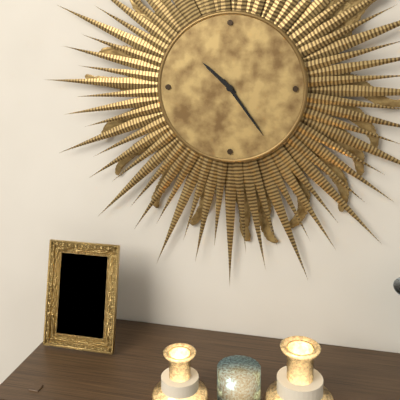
{"hour": 10, "minute": 24}
